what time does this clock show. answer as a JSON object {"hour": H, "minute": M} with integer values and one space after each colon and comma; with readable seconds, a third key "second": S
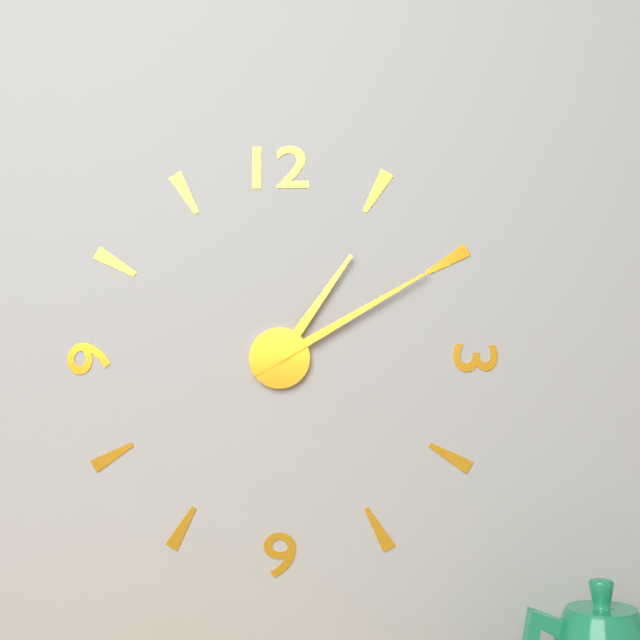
{"hour": 1, "minute": 10}
